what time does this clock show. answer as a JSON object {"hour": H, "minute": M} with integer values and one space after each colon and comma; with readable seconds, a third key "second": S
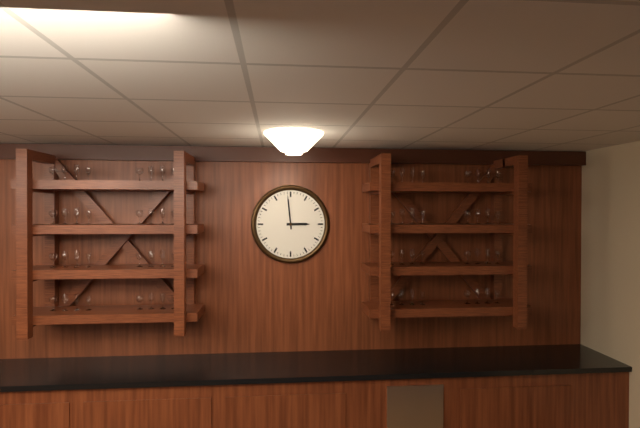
{"hour": 2, "minute": 59}
